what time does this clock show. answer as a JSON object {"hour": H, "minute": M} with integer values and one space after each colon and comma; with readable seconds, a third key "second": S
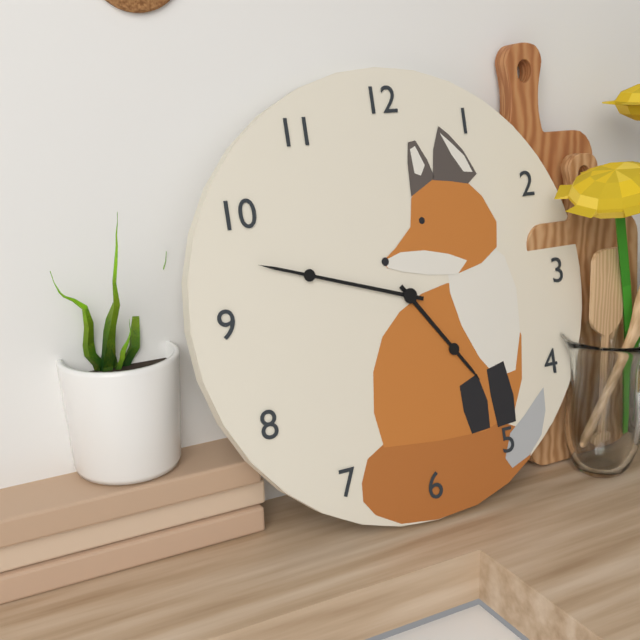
{"hour": 4, "minute": 48}
